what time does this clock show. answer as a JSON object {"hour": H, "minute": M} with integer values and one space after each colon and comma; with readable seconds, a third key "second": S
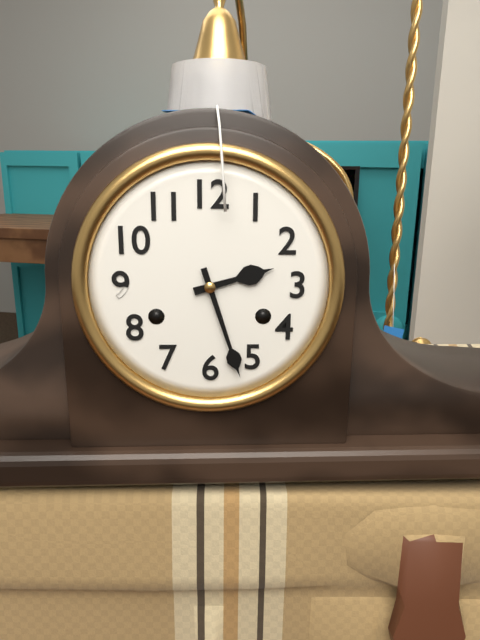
{"hour": 2, "minute": 27}
